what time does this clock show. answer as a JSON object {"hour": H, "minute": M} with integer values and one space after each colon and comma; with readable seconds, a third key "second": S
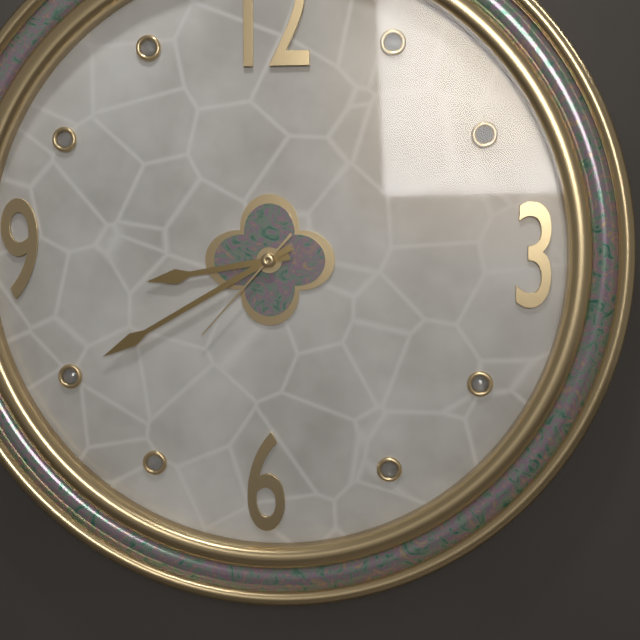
{"hour": 8, "minute": 40, "second": 37}
